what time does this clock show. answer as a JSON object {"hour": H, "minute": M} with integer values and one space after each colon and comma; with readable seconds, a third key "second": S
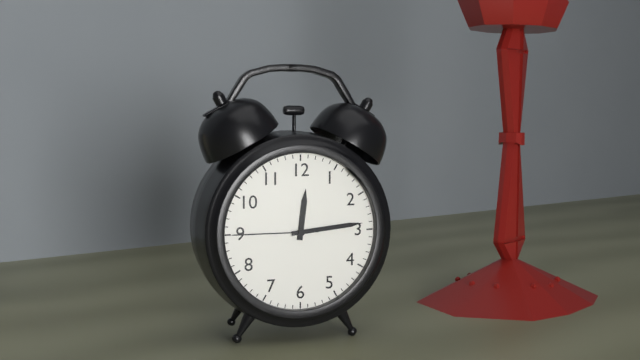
{"hour": 12, "minute": 14, "second": 45}
